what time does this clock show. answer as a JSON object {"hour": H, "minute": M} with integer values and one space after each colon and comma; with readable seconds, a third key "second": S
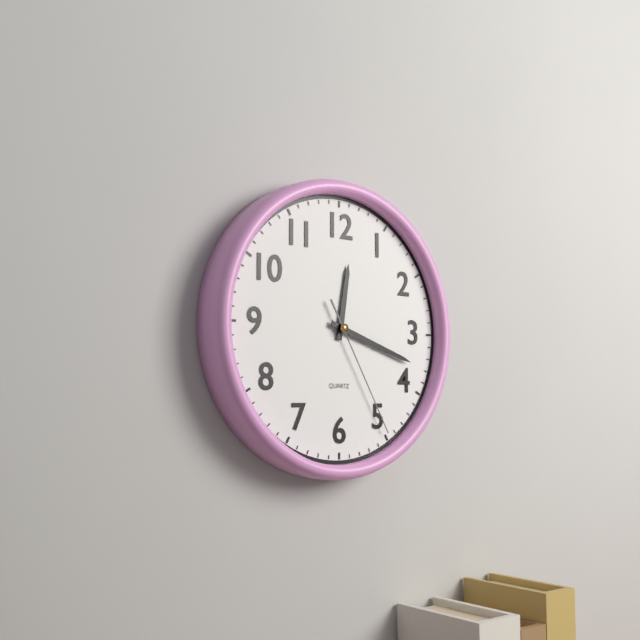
{"hour": 12, "minute": 18, "second": 25}
